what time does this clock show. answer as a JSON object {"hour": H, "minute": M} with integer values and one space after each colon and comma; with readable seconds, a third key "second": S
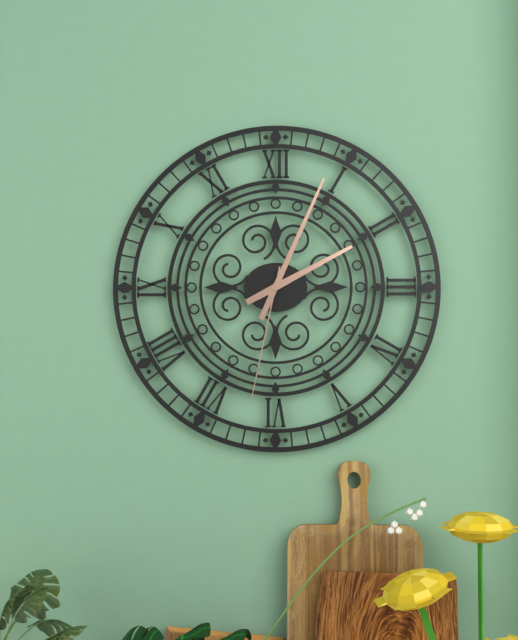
{"hour": 2, "minute": 4, "second": 32}
